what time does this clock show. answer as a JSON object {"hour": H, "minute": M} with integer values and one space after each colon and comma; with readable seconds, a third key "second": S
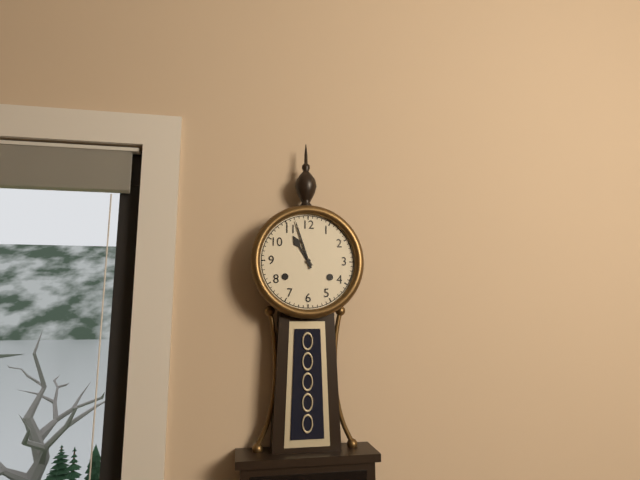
{"hour": 10, "minute": 57}
